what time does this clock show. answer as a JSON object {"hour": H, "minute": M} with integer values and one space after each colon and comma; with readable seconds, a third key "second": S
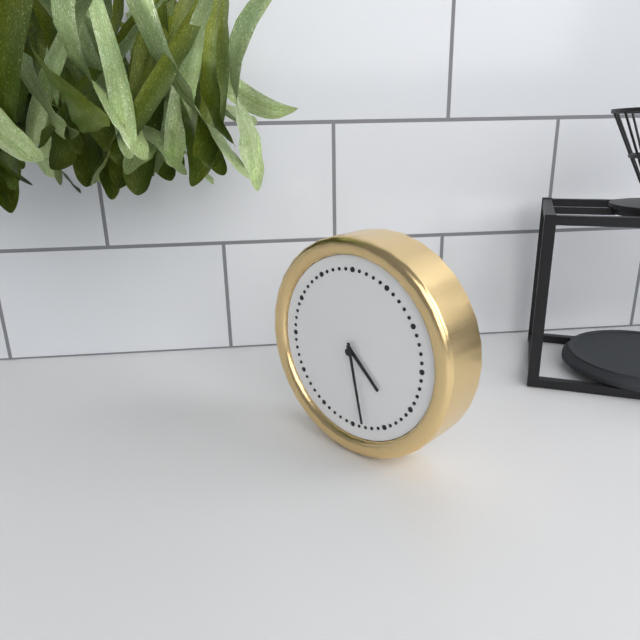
{"hour": 4, "minute": 28}
